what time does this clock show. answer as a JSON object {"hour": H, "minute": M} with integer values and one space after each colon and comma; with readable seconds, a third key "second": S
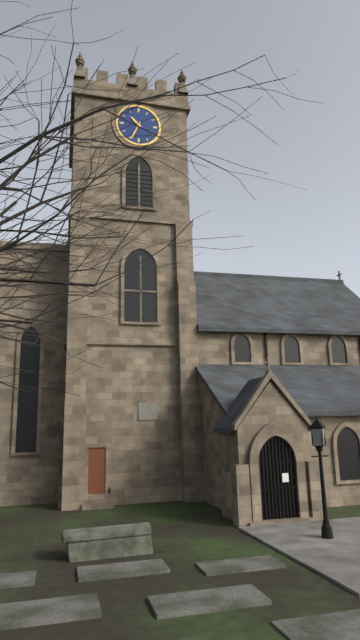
{"hour": 10, "minute": 34}
